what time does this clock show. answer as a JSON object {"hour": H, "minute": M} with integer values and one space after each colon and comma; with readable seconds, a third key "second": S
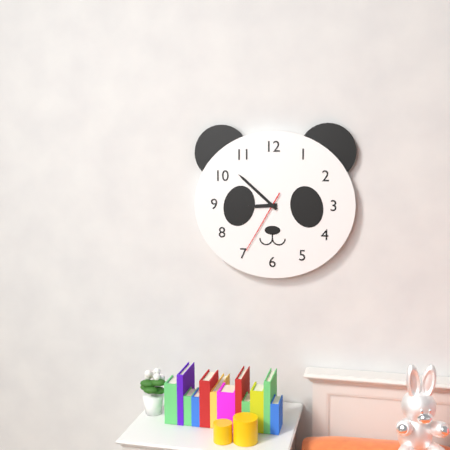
{"hour": 8, "minute": 52, "second": 35}
